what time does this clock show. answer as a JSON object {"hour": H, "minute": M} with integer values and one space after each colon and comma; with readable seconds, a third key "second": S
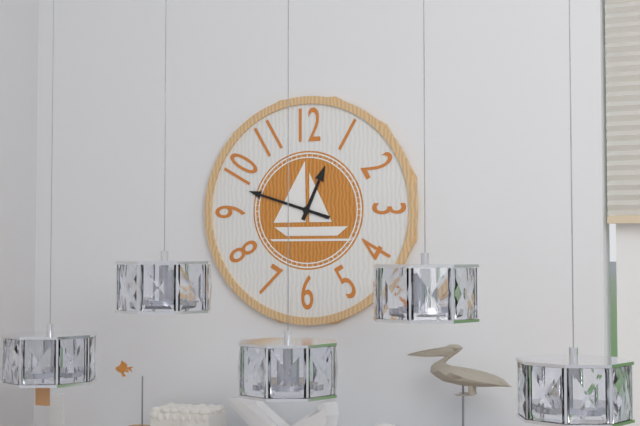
{"hour": 12, "minute": 48}
